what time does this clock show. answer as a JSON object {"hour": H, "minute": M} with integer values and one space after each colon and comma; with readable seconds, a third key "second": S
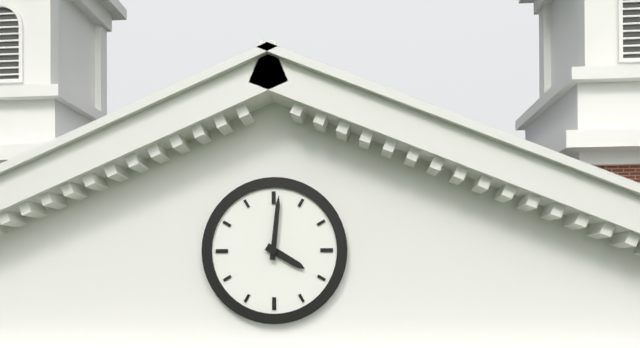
{"hour": 4, "minute": 1}
